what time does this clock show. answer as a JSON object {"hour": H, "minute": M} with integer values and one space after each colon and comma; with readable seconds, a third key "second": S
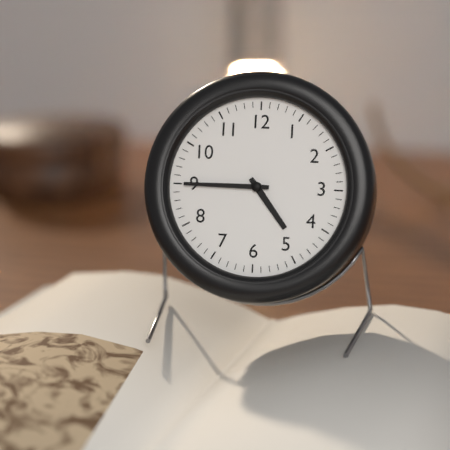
{"hour": 4, "minute": 45}
